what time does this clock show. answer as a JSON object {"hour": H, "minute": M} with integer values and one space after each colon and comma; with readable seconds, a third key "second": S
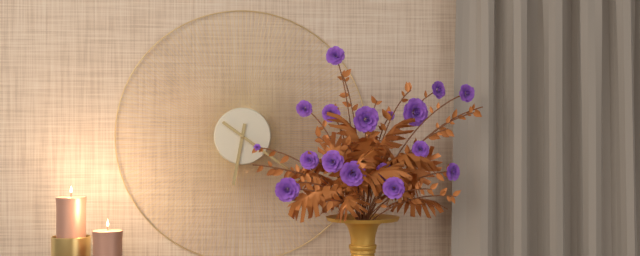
{"hour": 6, "minute": 21}
